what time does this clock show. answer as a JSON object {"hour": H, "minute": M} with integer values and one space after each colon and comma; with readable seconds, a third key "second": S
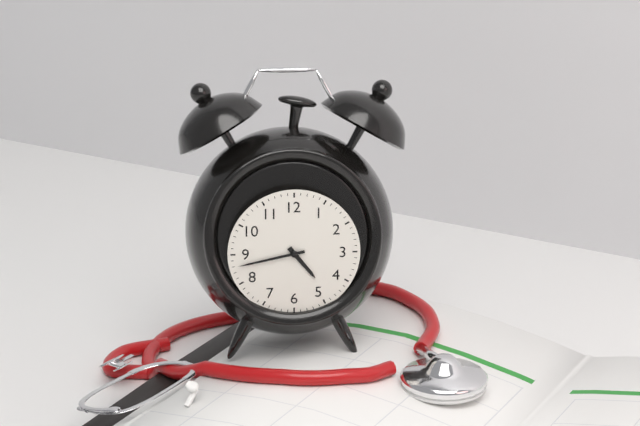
{"hour": 4, "minute": 43}
